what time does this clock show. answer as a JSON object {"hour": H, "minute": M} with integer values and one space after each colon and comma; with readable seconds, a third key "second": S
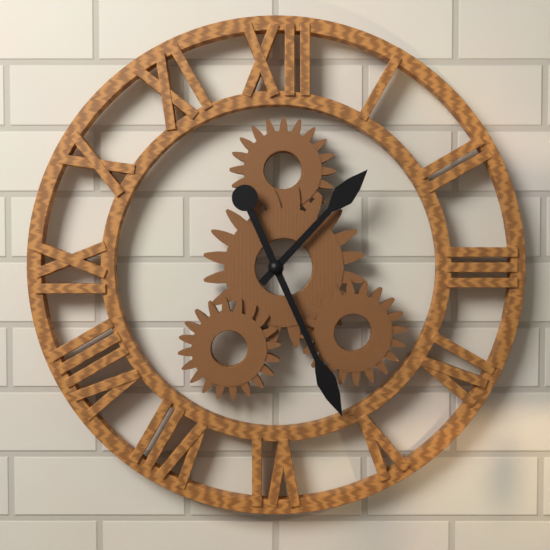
{"hour": 1, "minute": 26}
